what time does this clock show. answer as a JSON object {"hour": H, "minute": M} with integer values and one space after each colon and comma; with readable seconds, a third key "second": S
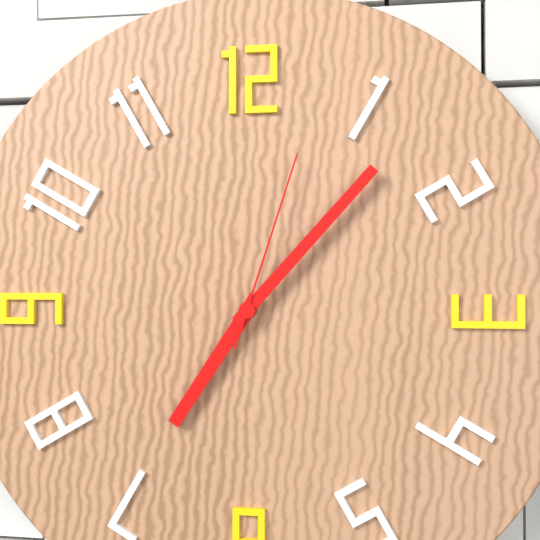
{"hour": 7, "minute": 7, "second": 3}
